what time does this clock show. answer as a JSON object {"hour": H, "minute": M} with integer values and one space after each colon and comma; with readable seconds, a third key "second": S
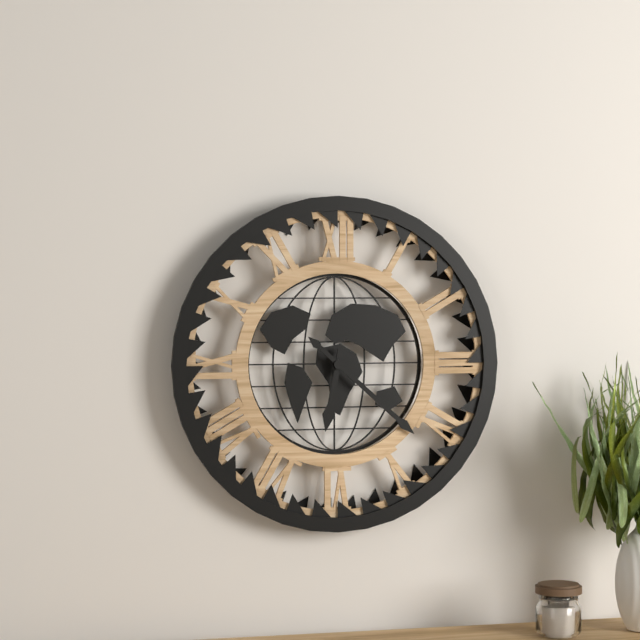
{"hour": 6, "minute": 22}
